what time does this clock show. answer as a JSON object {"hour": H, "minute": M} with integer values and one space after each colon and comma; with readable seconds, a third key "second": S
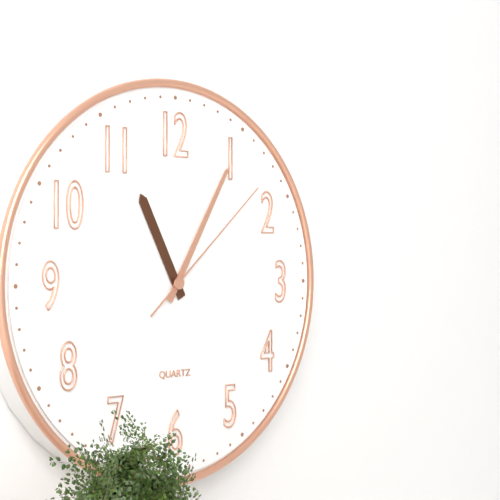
{"hour": 11, "minute": 5, "second": 8}
